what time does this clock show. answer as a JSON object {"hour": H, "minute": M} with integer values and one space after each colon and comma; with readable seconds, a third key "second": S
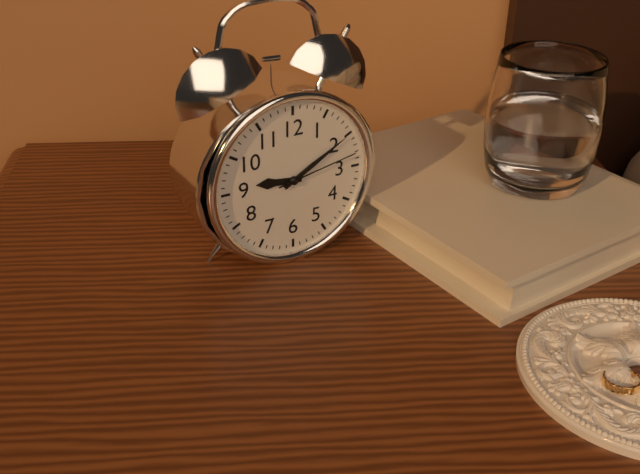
{"hour": 9, "minute": 10, "second": 13}
